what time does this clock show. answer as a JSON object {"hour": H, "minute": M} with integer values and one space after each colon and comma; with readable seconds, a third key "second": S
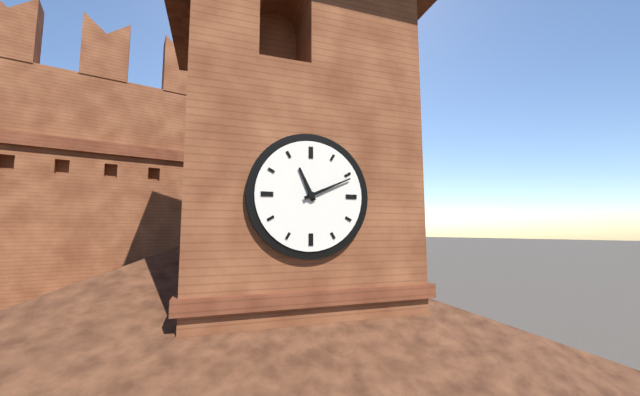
{"hour": 11, "minute": 11}
